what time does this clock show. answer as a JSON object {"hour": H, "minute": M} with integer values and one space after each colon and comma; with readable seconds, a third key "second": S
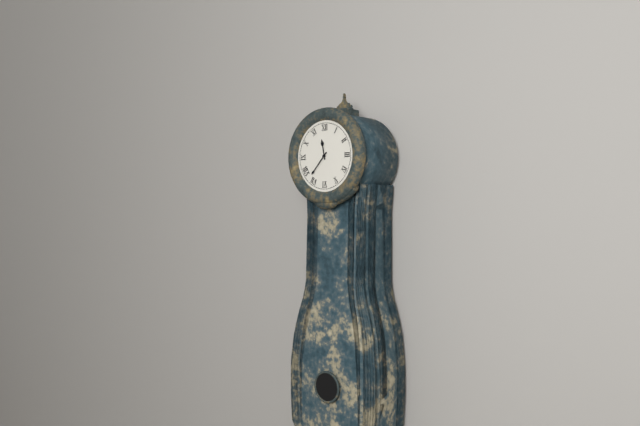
{"hour": 11, "minute": 37}
